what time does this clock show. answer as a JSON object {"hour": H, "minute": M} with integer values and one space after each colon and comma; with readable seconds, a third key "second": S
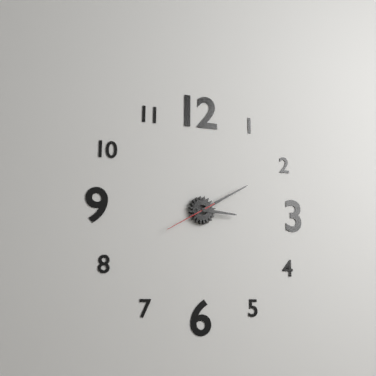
{"hour": 3, "minute": 10, "second": 40}
